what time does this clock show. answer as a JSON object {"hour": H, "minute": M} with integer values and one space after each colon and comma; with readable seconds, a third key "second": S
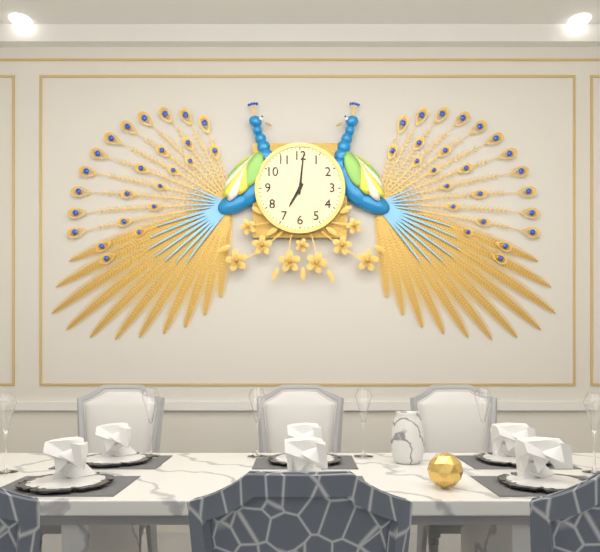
{"hour": 7, "minute": 1}
